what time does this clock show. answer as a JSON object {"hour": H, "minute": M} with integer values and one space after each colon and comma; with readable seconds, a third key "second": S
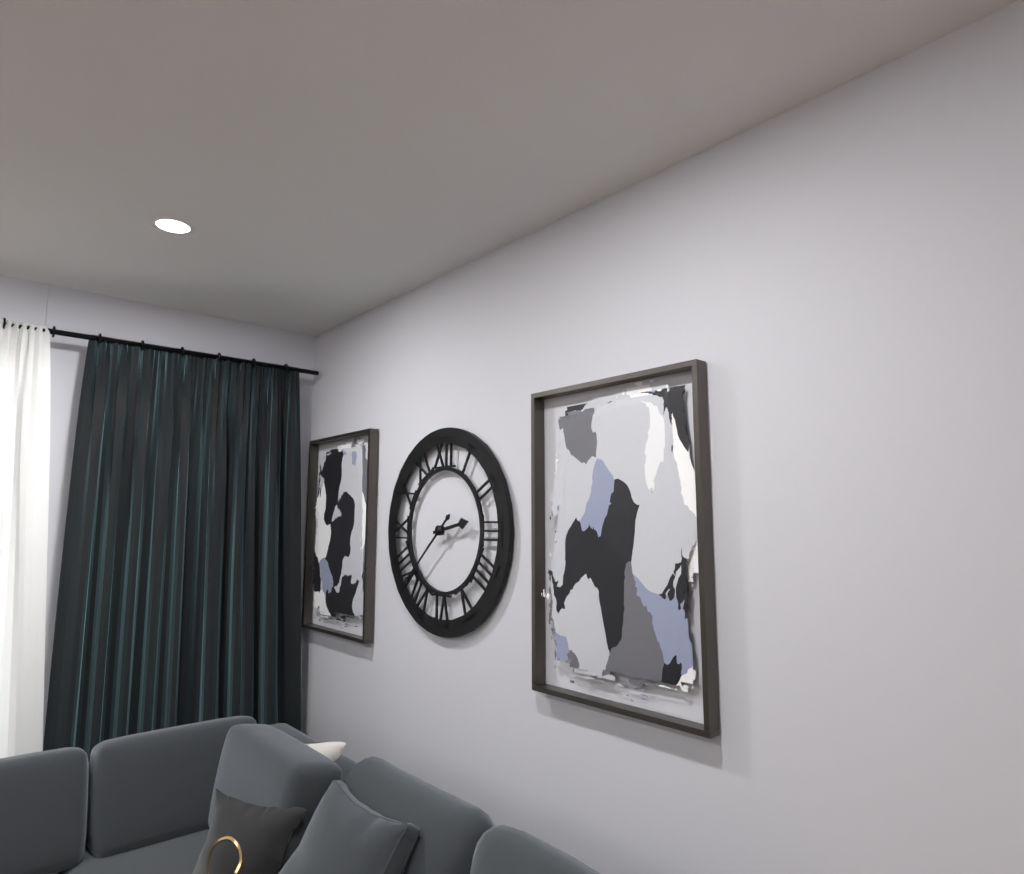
{"hour": 2, "minute": 38}
